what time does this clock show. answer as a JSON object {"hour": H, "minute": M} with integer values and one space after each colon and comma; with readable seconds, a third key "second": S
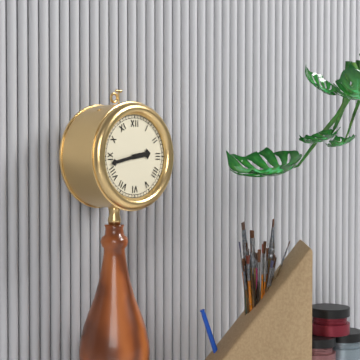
{"hour": 2, "minute": 43}
